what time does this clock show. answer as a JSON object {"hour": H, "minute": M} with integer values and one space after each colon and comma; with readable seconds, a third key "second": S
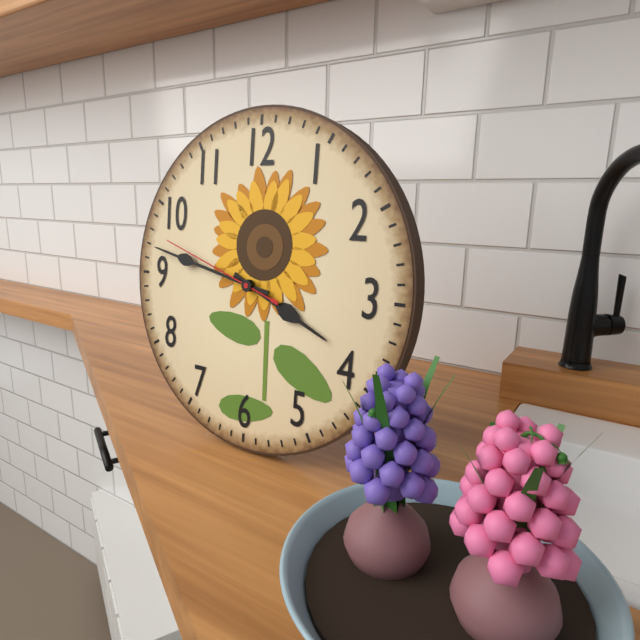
{"hour": 3, "minute": 47, "second": 48}
